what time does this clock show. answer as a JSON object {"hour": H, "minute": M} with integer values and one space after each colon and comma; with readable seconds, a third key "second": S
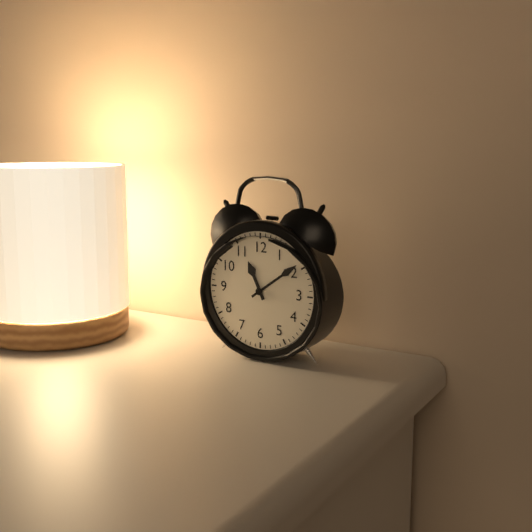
{"hour": 11, "minute": 9}
